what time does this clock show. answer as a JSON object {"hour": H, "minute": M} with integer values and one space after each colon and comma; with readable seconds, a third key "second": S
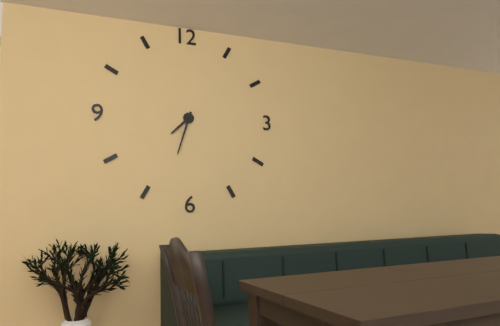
{"hour": 7, "minute": 33}
